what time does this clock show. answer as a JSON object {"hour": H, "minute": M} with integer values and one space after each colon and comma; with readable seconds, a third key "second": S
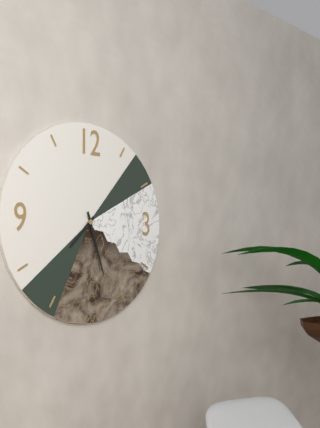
{"hour": 7, "minute": 27}
